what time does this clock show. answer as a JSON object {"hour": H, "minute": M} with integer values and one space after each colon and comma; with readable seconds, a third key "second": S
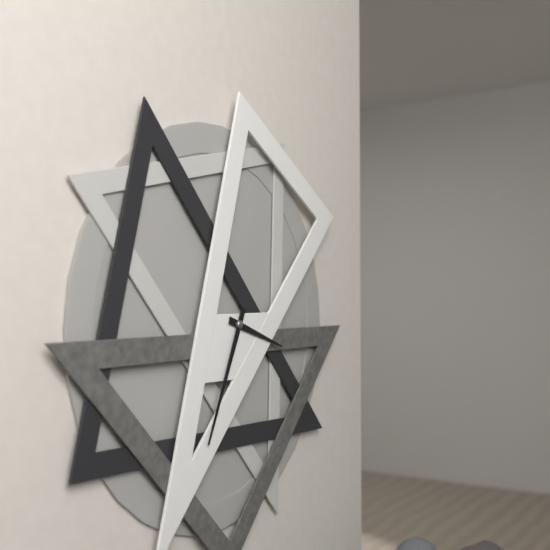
{"hour": 3, "minute": 34}
